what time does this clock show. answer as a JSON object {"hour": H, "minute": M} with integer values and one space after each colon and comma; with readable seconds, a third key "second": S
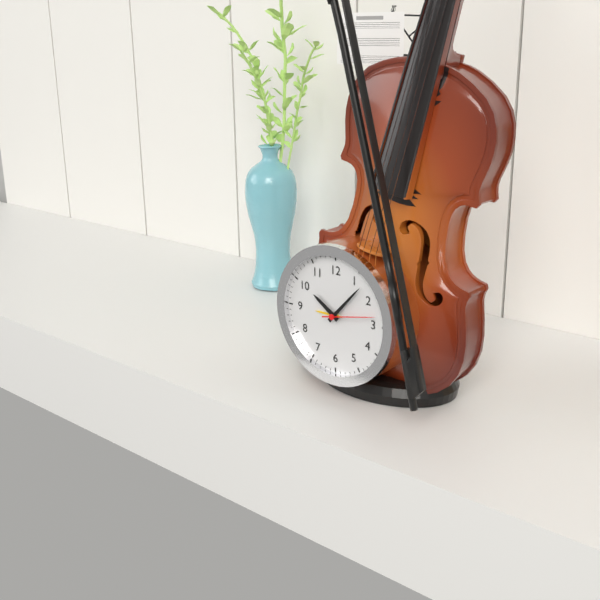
{"hour": 10, "minute": 7, "second": 13}
